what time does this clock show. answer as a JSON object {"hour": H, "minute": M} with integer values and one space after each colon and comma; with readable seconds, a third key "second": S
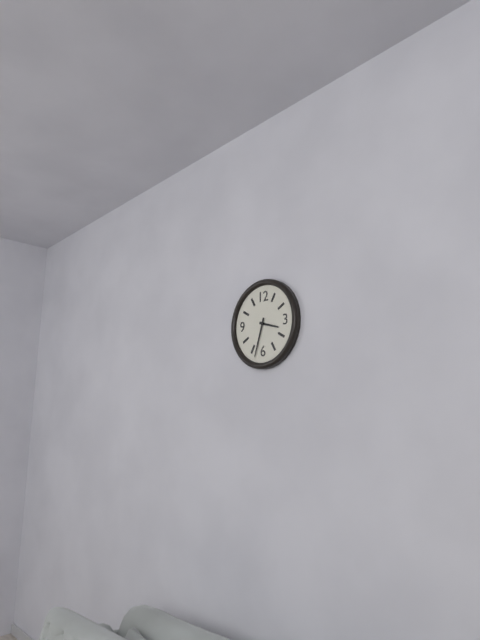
{"hour": 3, "minute": 33}
